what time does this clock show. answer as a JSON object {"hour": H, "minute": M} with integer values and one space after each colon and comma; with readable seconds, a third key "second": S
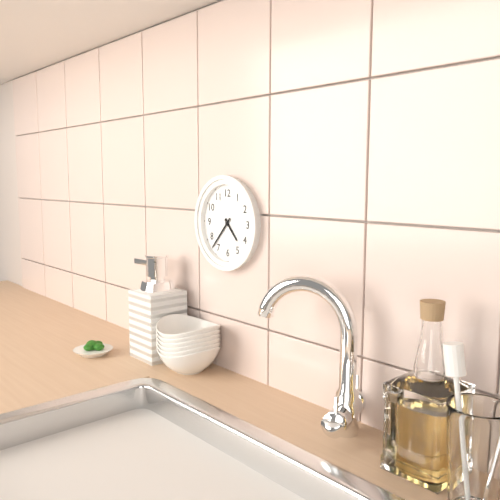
{"hour": 4, "minute": 37}
